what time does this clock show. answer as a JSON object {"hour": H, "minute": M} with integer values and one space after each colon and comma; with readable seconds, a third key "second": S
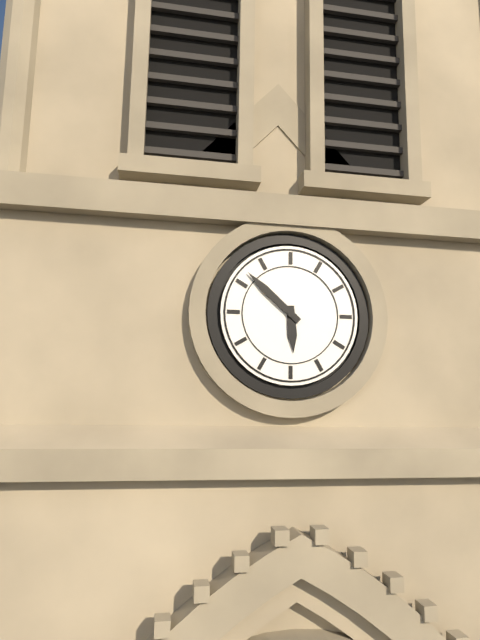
{"hour": 5, "minute": 52}
